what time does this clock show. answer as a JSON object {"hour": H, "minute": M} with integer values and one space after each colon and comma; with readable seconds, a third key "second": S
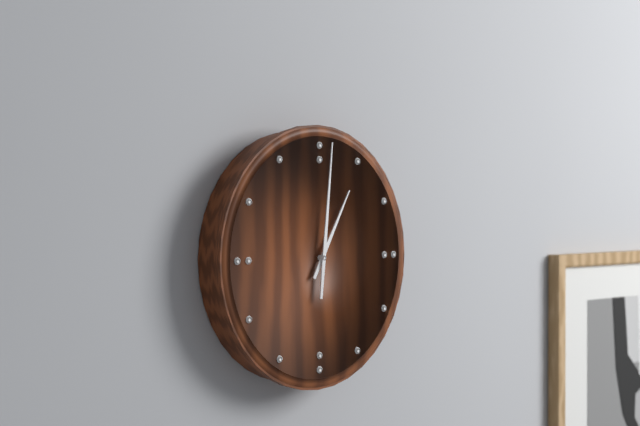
{"hour": 1, "minute": 1}
